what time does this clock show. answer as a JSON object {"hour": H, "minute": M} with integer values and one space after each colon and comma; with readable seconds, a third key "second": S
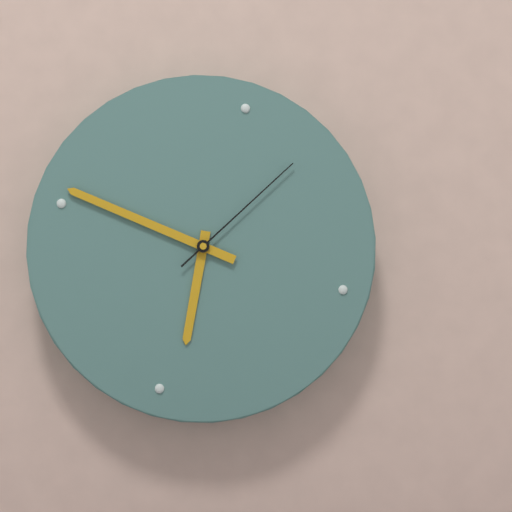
{"hour": 5, "minute": 46, "second": 5}
